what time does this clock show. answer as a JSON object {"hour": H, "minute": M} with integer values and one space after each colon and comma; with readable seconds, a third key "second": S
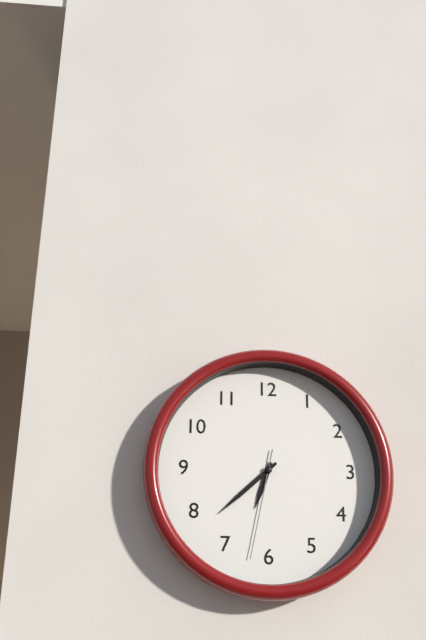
{"hour": 6, "minute": 38, "second": 32}
